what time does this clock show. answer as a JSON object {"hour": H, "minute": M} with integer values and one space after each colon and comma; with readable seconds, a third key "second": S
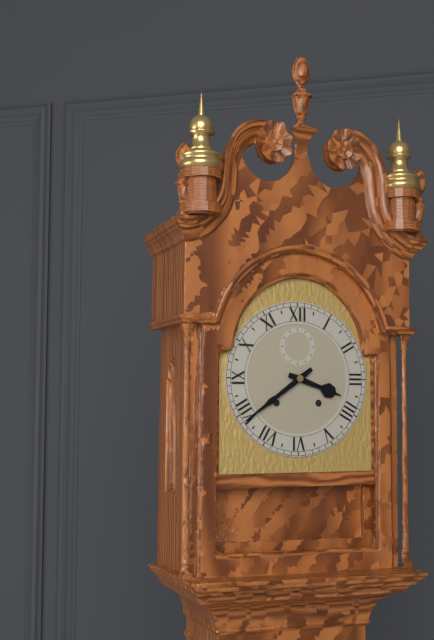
{"hour": 3, "minute": 39}
